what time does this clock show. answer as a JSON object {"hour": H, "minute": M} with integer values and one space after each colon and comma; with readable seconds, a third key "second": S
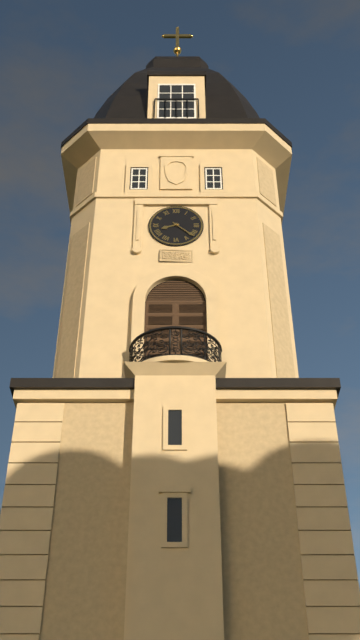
{"hour": 8, "minute": 22}
